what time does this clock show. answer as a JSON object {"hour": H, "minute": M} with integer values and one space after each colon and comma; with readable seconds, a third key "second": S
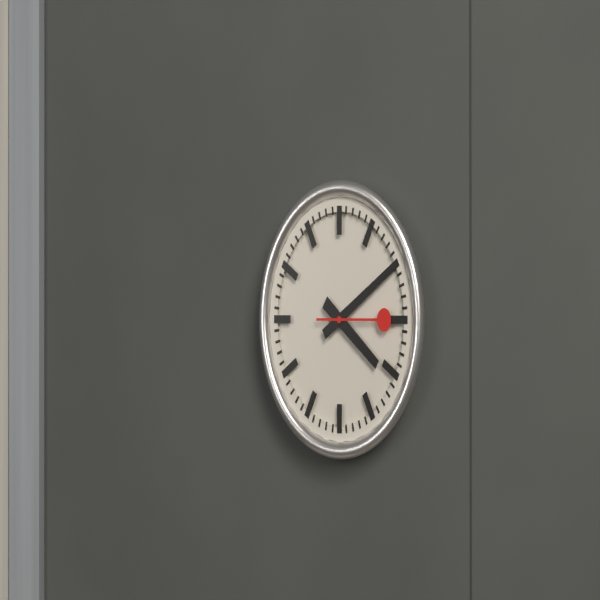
{"hour": 4, "minute": 10, "second": 15}
